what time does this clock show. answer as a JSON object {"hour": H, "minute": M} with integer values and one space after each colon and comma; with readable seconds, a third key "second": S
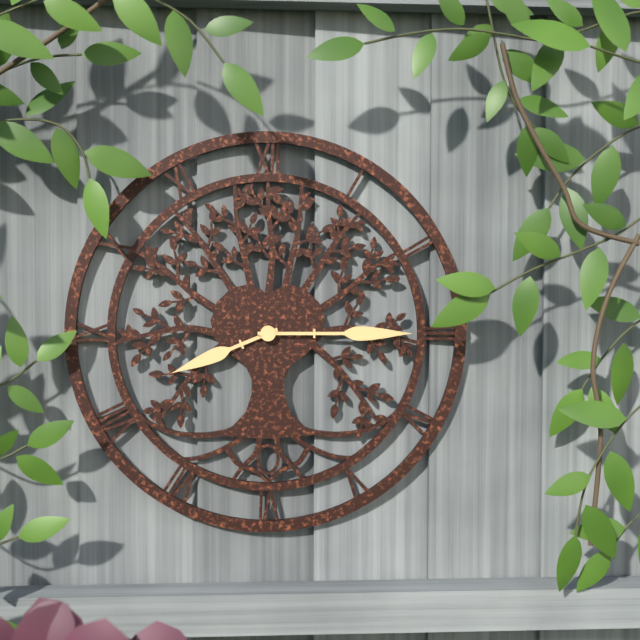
{"hour": 8, "minute": 15}
